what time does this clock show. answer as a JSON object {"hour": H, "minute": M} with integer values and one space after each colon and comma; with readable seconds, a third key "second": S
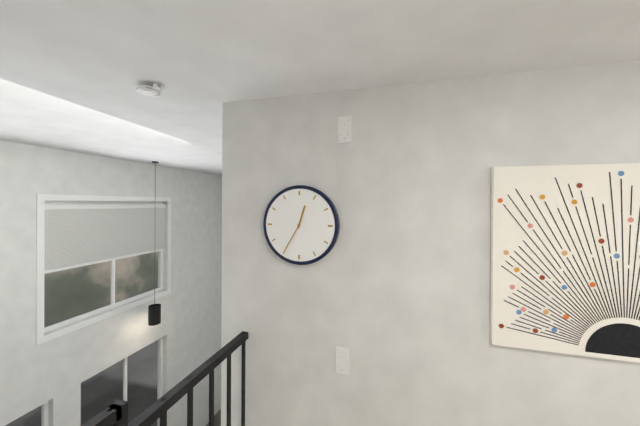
{"hour": 12, "minute": 35}
